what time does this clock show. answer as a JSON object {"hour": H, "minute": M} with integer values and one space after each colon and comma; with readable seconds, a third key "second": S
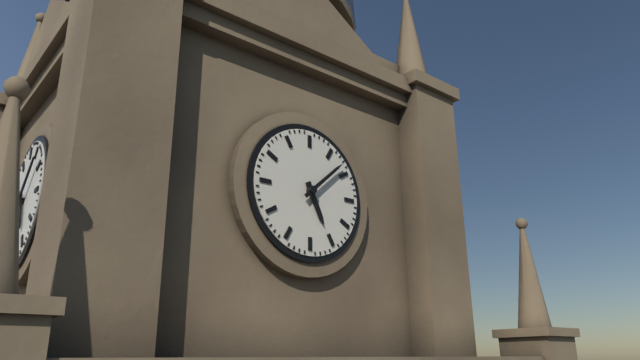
{"hour": 5, "minute": 8}
